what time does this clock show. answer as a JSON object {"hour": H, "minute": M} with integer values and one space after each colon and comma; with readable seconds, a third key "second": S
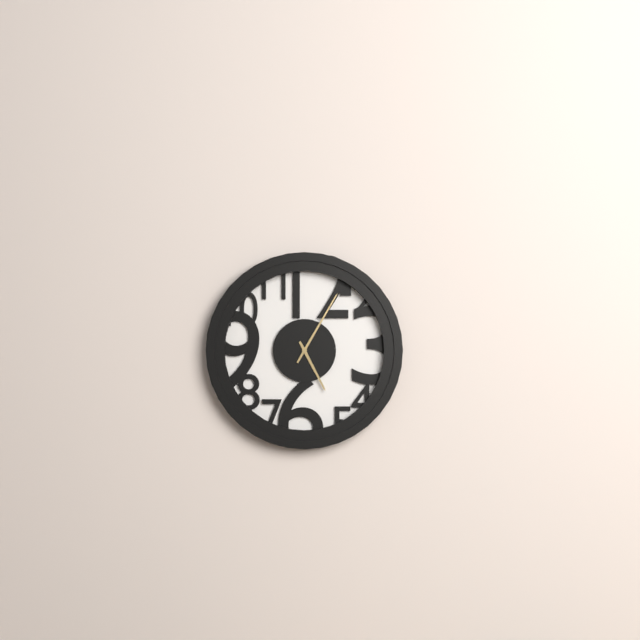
{"hour": 5, "minute": 5}
